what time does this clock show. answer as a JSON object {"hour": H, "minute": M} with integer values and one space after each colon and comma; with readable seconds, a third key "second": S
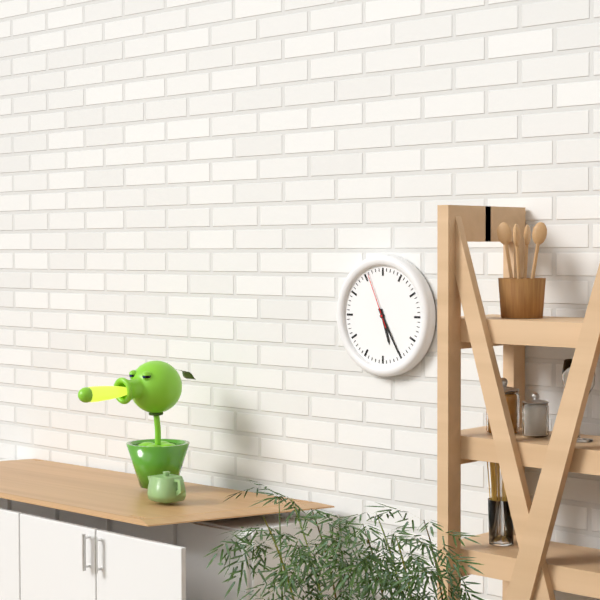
{"hour": 5, "minute": 25, "second": 56}
